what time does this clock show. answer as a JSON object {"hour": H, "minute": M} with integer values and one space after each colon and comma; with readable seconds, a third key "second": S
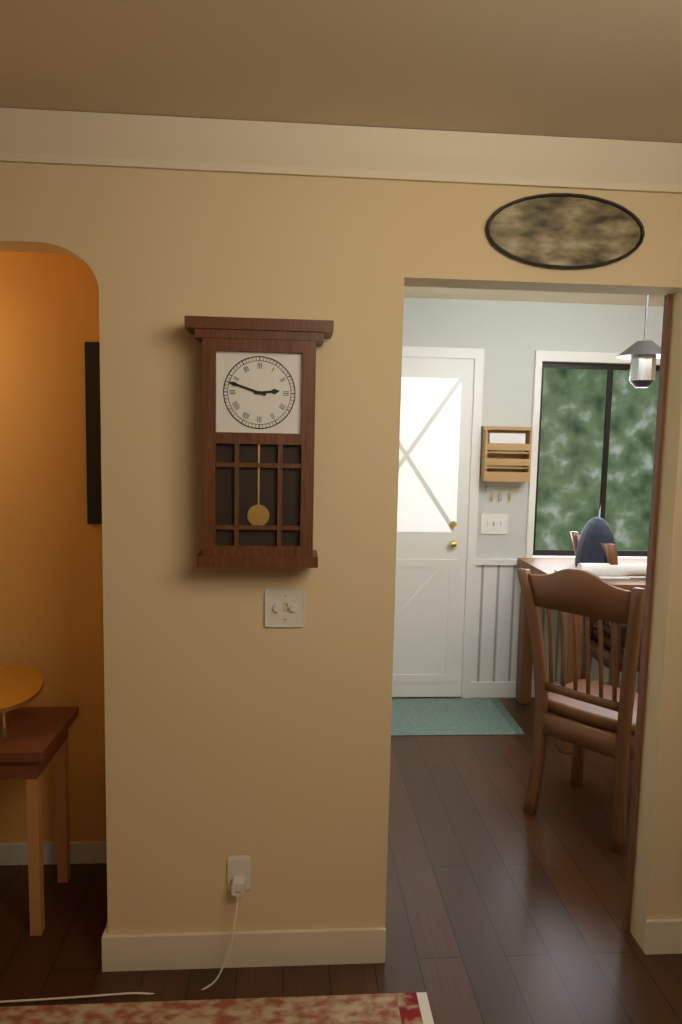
{"hour": 2, "minute": 48}
